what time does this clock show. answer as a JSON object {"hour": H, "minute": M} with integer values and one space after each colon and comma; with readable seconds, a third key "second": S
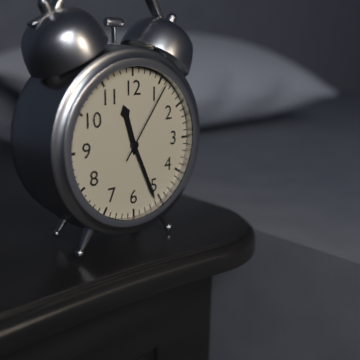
{"hour": 11, "minute": 26, "second": 6}
